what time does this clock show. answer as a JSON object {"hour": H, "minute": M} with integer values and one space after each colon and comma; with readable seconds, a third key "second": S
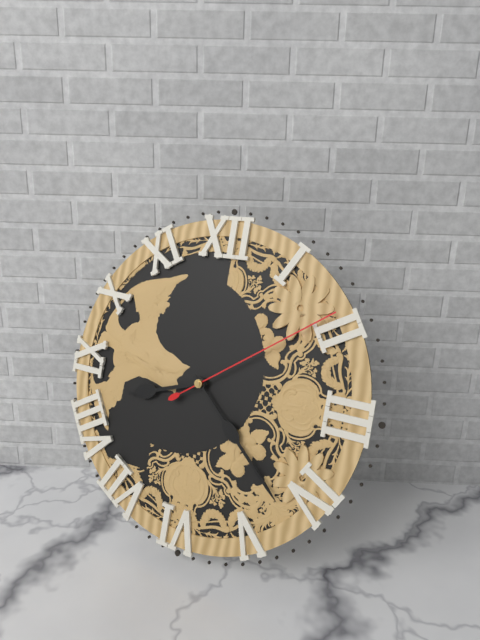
{"hour": 8, "minute": 22, "second": 9}
